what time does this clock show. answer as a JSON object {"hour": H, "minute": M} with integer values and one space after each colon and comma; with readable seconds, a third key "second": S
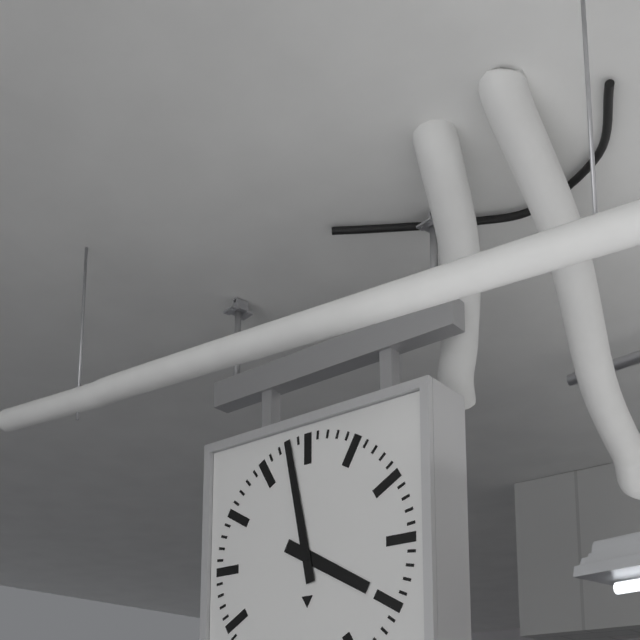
{"hour": 3, "minute": 58}
